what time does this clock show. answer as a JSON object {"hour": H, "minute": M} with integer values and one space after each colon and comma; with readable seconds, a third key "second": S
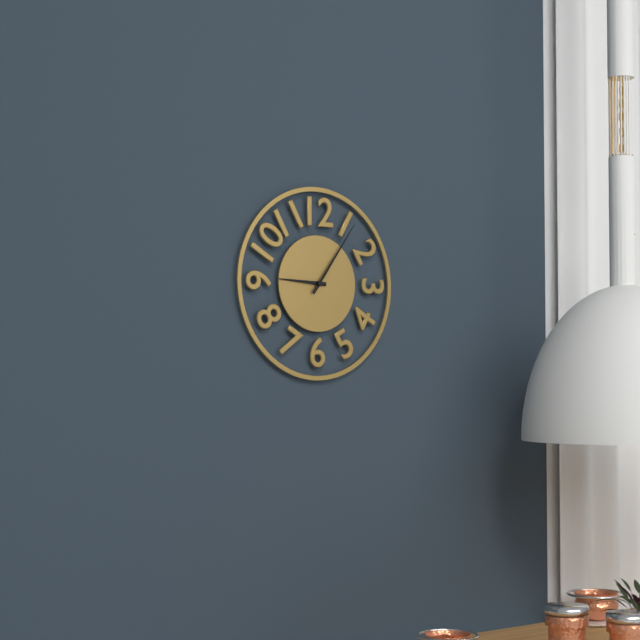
{"hour": 9, "minute": 6}
